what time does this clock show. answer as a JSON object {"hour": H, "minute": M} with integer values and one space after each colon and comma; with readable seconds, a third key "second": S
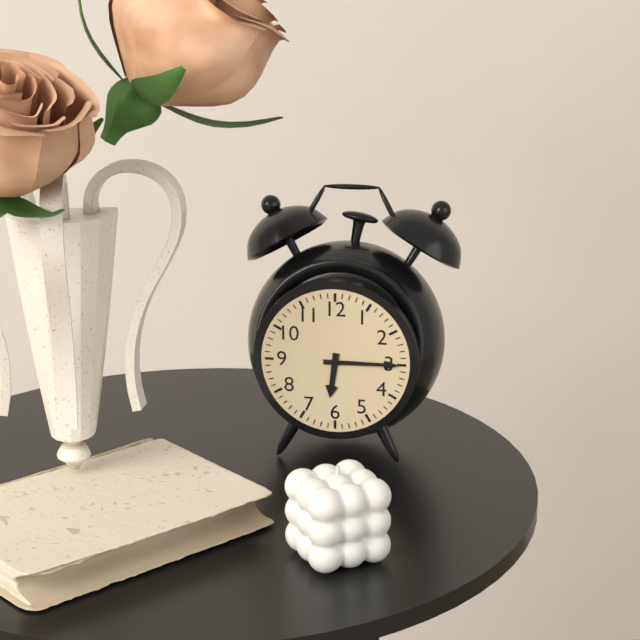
{"hour": 6, "minute": 15}
